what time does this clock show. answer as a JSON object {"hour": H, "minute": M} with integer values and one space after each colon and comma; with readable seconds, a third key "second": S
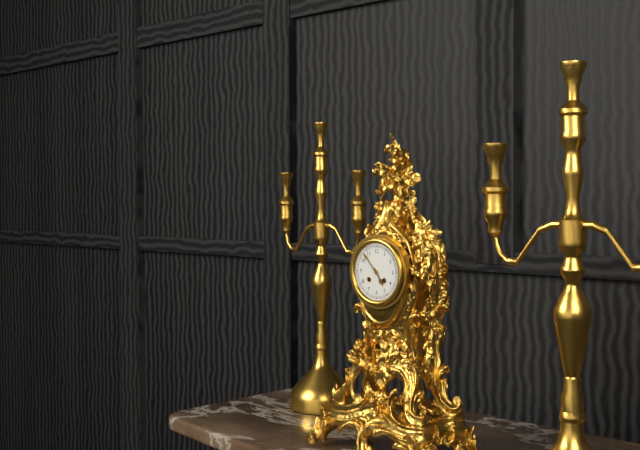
{"hour": 4, "minute": 53}
